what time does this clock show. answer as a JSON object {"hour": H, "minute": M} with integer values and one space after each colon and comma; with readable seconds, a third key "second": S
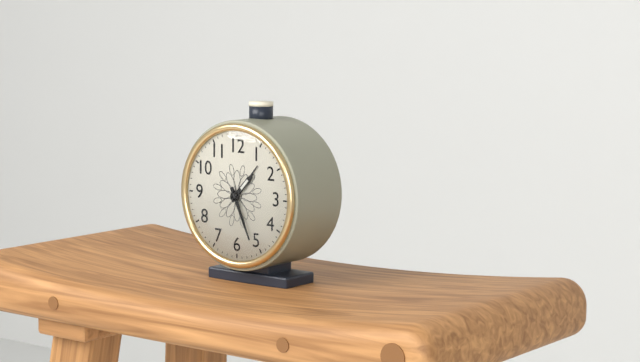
{"hour": 1, "minute": 26}
